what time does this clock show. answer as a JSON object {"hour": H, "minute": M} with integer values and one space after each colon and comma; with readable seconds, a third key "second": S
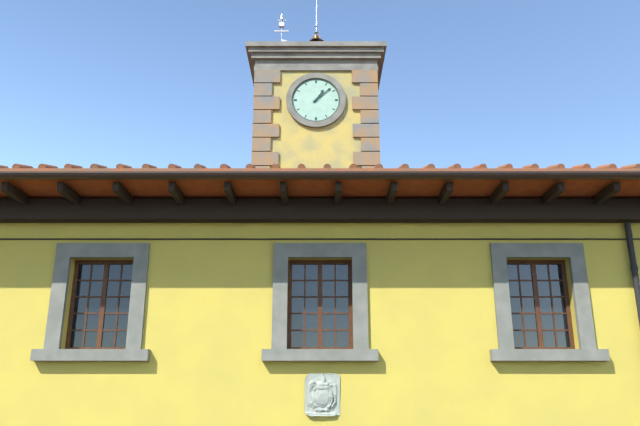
{"hour": 1, "minute": 8}
